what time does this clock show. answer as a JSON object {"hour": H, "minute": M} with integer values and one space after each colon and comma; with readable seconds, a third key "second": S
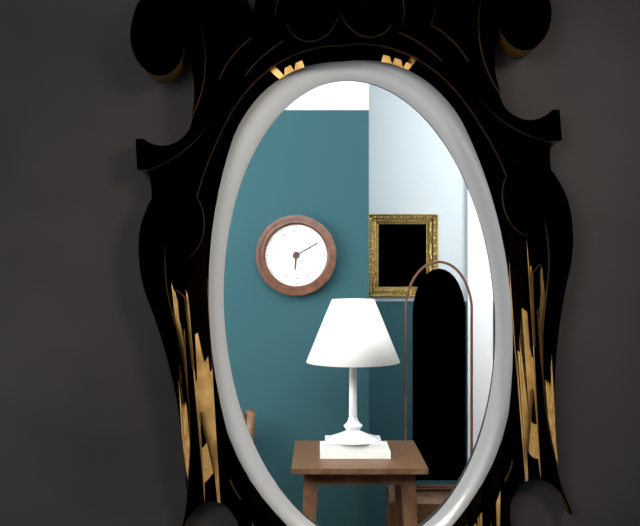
{"hour": 6, "minute": 10}
